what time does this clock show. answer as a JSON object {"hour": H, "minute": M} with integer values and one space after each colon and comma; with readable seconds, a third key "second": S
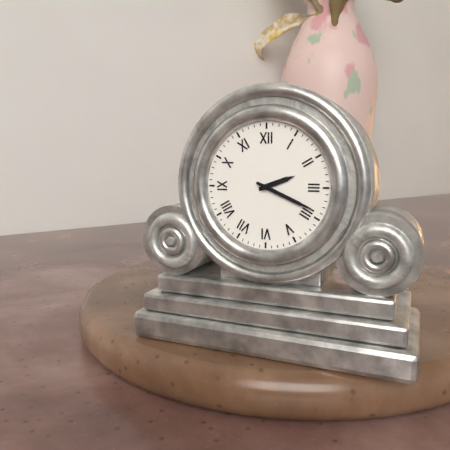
{"hour": 2, "minute": 19}
